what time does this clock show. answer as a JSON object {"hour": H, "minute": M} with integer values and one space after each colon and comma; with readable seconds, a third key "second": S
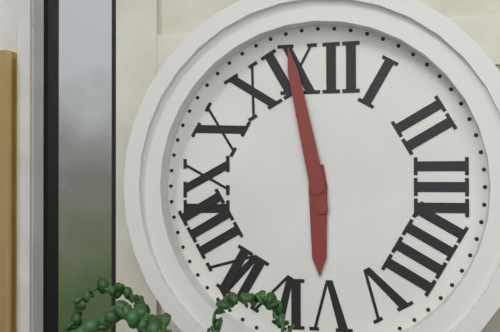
{"hour": 5, "minute": 58}
